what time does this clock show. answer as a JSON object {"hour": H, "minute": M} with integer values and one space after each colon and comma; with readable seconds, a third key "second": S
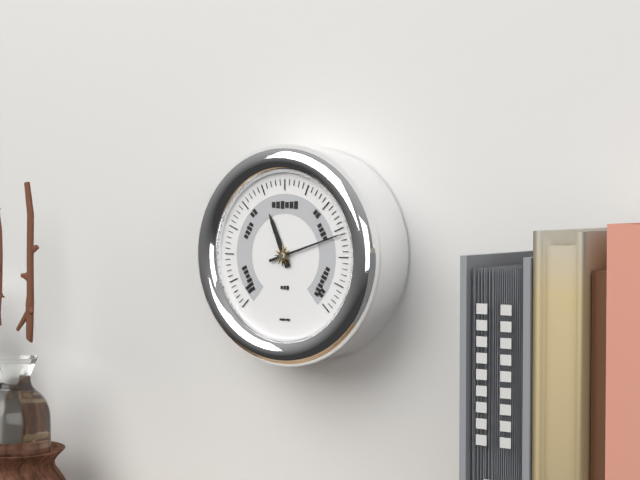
{"hour": 11, "minute": 12}
